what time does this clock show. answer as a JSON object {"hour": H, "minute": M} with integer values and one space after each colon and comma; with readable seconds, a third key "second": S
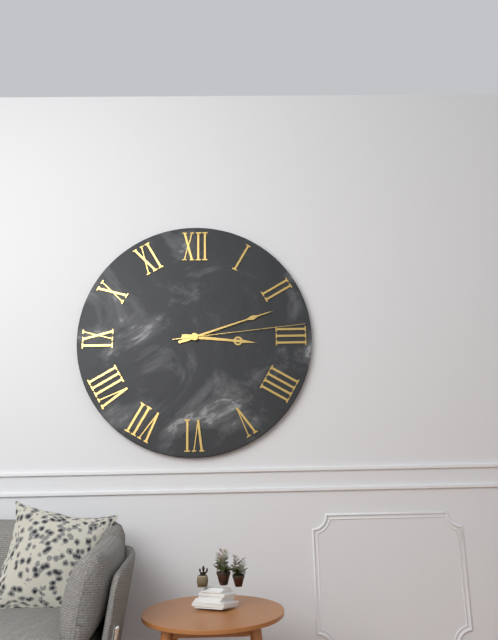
{"hour": 3, "minute": 12, "second": 14}
